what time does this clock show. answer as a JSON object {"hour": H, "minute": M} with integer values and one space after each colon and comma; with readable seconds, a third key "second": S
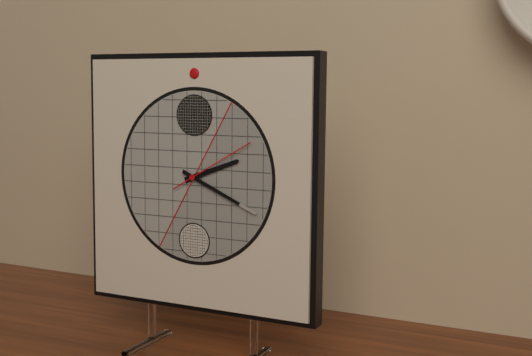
{"hour": 2, "minute": 19, "second": 10}
